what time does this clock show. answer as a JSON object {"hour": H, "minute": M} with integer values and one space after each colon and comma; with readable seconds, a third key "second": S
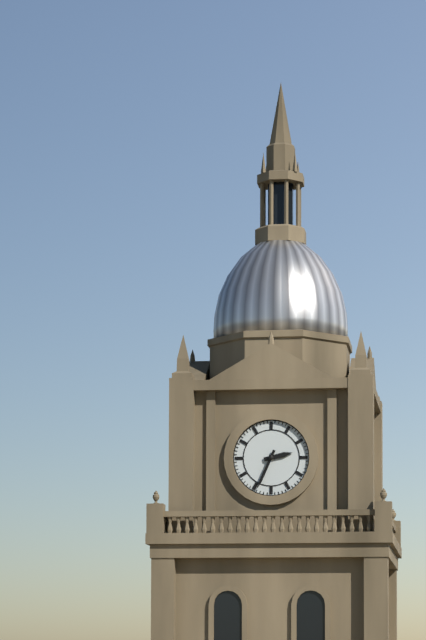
{"hour": 2, "minute": 34}
